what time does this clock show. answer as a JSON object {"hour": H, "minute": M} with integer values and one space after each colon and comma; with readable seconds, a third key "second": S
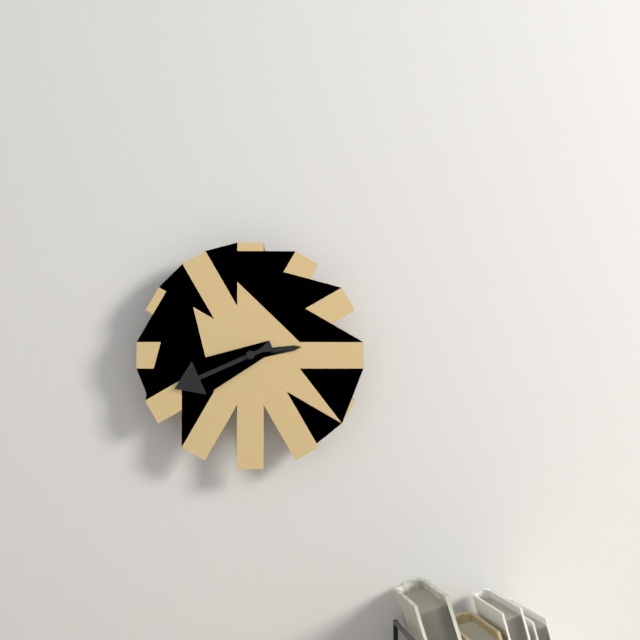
{"hour": 2, "minute": 41}
